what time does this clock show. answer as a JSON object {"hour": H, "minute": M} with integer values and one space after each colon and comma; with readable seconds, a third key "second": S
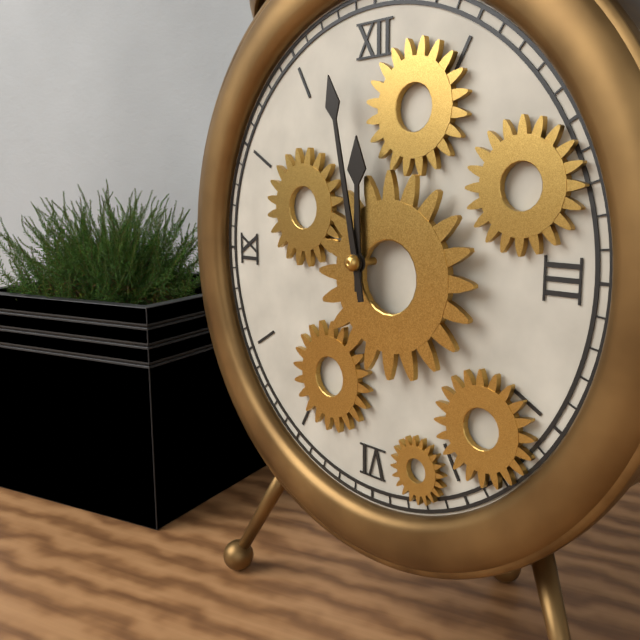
{"hour": 11, "minute": 58}
